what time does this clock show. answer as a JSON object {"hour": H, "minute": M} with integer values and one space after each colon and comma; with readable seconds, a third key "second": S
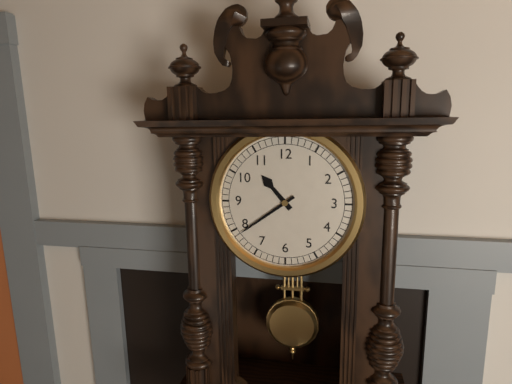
{"hour": 10, "minute": 39}
